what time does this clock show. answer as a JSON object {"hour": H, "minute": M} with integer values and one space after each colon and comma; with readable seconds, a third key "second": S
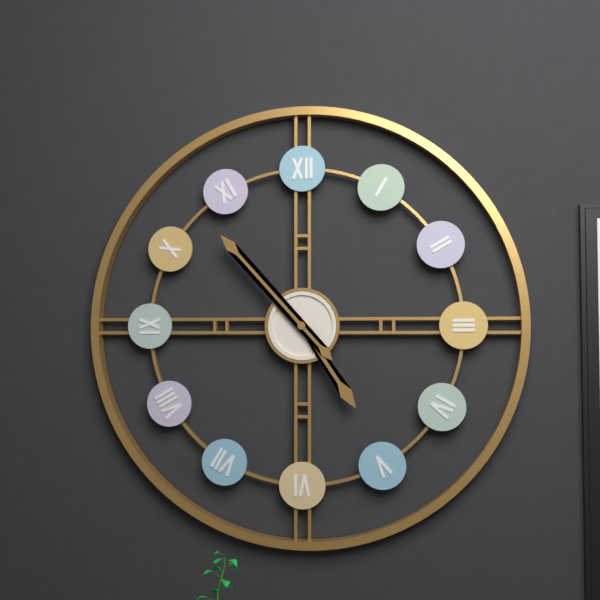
{"hour": 4, "minute": 53}
